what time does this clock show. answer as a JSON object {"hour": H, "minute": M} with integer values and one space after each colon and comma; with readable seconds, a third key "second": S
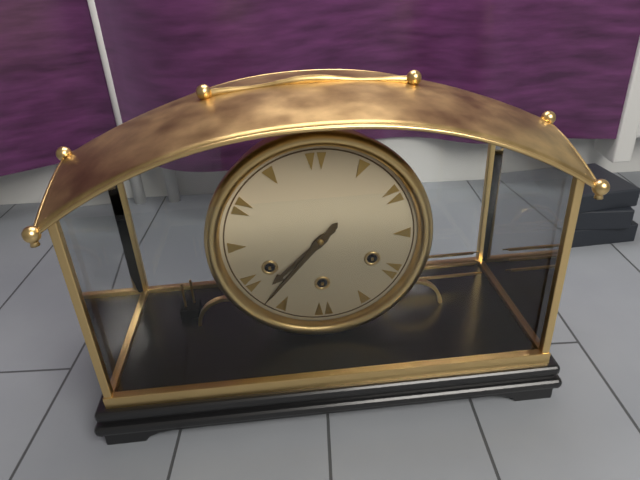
{"hour": 7, "minute": 37}
